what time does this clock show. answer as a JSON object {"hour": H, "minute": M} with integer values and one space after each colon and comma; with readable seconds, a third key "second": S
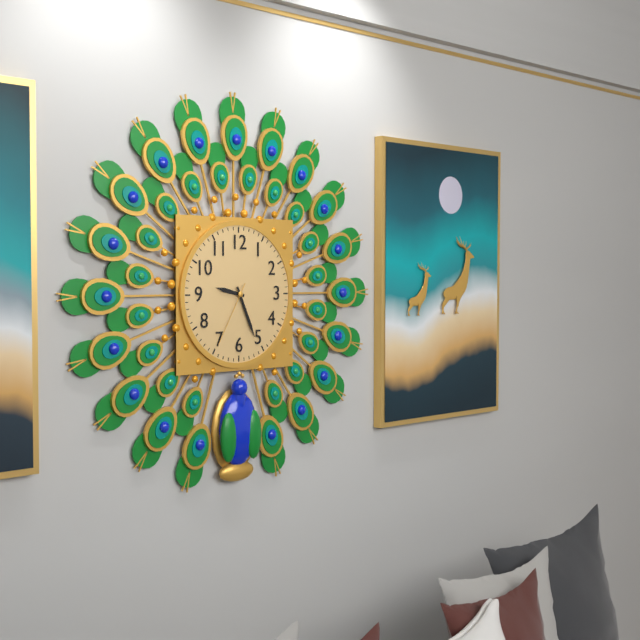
{"hour": 9, "minute": 26, "second": 35}
